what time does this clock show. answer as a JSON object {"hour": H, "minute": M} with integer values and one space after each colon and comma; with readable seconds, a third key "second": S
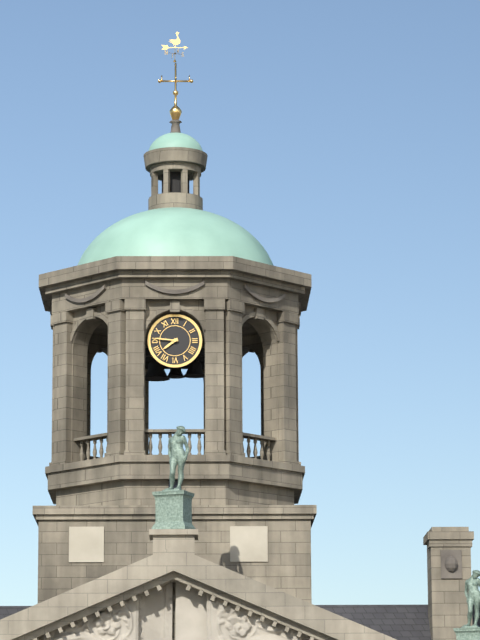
{"hour": 7, "minute": 46}
